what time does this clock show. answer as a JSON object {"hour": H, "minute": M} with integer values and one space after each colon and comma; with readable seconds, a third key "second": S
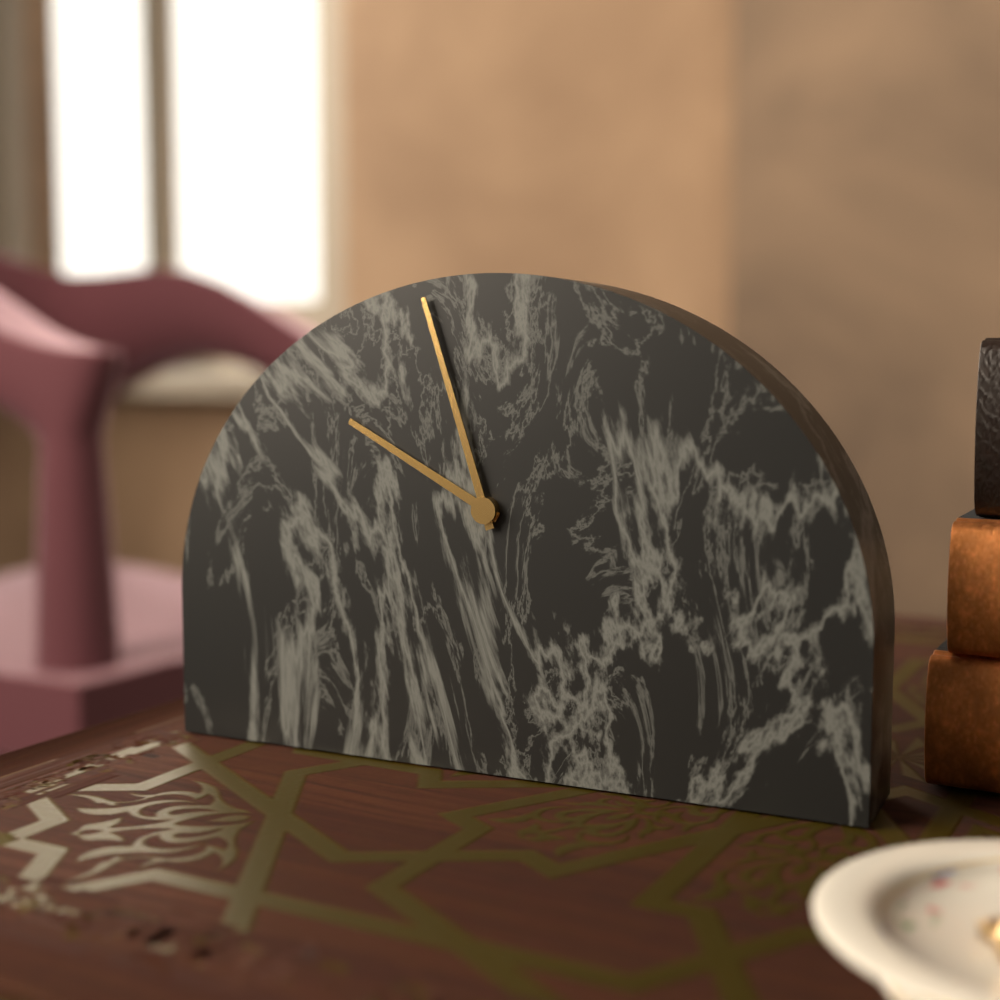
{"hour": 9, "minute": 57}
